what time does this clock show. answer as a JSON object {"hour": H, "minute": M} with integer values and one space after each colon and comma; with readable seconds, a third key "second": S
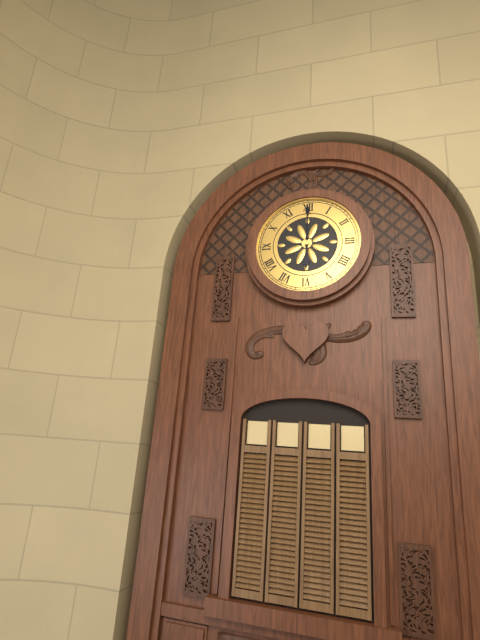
{"hour": 6, "minute": 0}
